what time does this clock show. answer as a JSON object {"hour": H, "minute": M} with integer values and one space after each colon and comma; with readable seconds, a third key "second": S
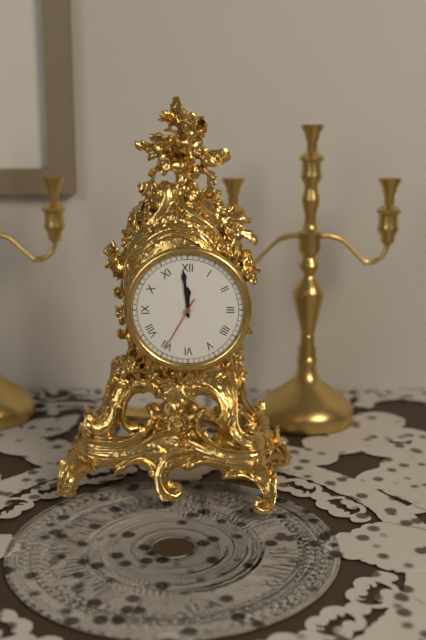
{"hour": 11, "minute": 59, "second": 35}
